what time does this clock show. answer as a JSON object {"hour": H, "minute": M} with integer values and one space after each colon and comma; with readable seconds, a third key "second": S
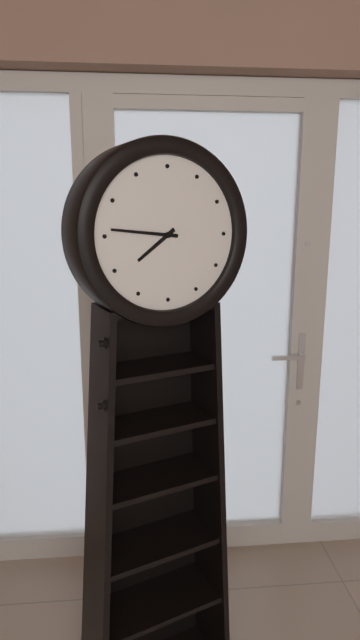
{"hour": 7, "minute": 46}
